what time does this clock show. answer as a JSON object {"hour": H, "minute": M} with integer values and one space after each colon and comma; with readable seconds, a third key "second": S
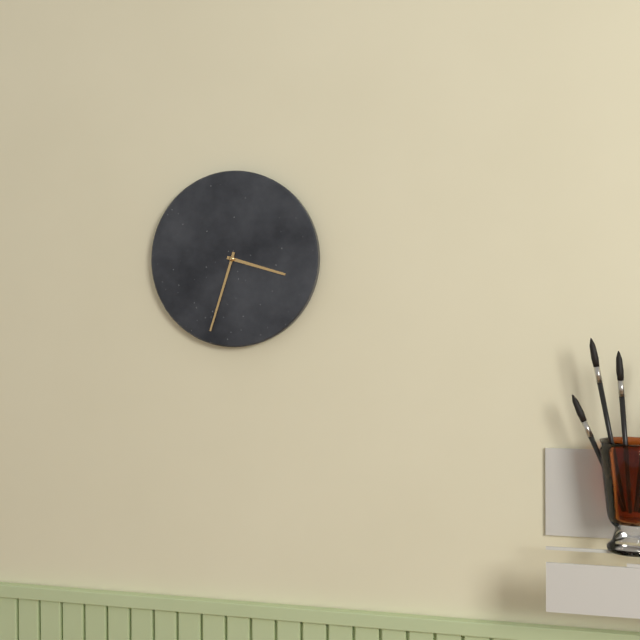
{"hour": 3, "minute": 33}
